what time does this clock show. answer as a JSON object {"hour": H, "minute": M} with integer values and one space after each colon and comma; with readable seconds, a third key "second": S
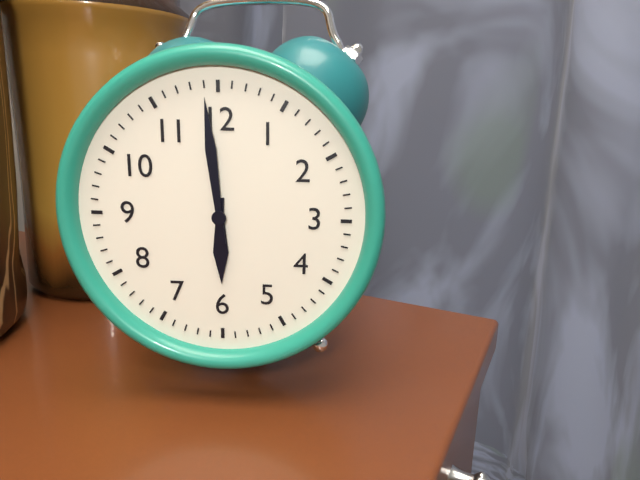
{"hour": 5, "minute": 59}
